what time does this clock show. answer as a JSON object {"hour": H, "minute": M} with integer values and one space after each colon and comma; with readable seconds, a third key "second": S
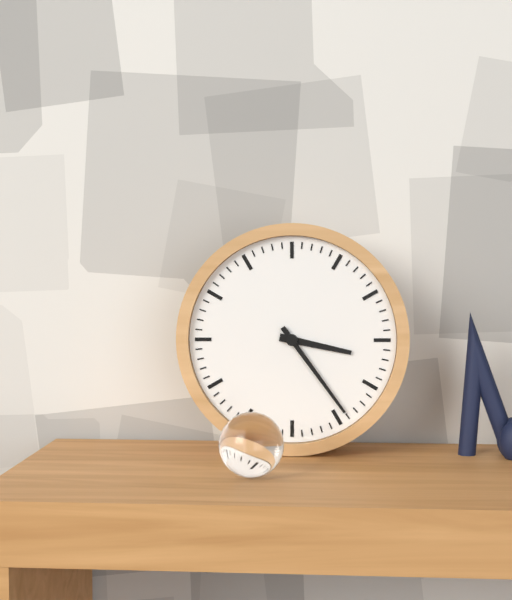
{"hour": 3, "minute": 24}
